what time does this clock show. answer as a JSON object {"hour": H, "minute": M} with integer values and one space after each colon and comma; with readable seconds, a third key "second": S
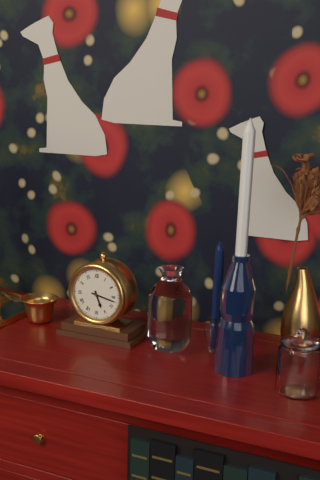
{"hour": 5, "minute": 17}
